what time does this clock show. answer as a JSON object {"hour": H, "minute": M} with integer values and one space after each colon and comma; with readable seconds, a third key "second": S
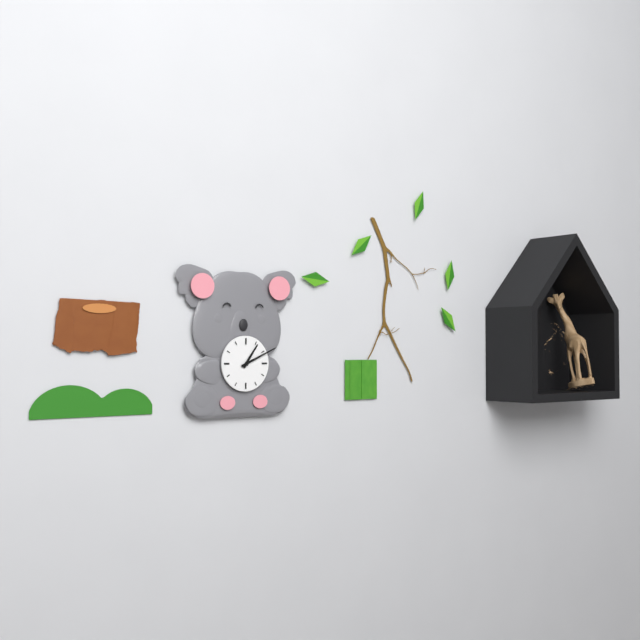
{"hour": 1, "minute": 11}
